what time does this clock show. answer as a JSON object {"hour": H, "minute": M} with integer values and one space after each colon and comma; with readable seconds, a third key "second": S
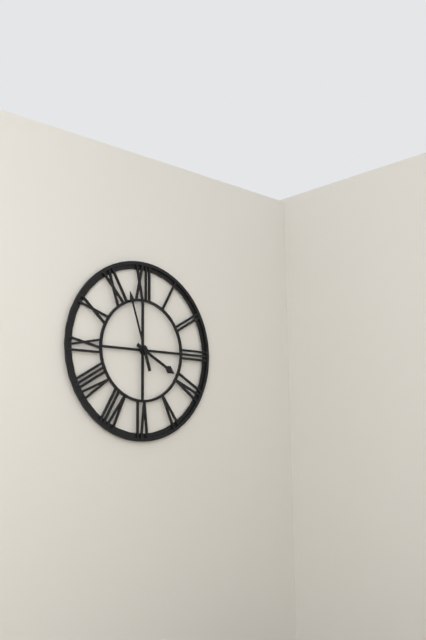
{"hour": 3, "minute": 57}
